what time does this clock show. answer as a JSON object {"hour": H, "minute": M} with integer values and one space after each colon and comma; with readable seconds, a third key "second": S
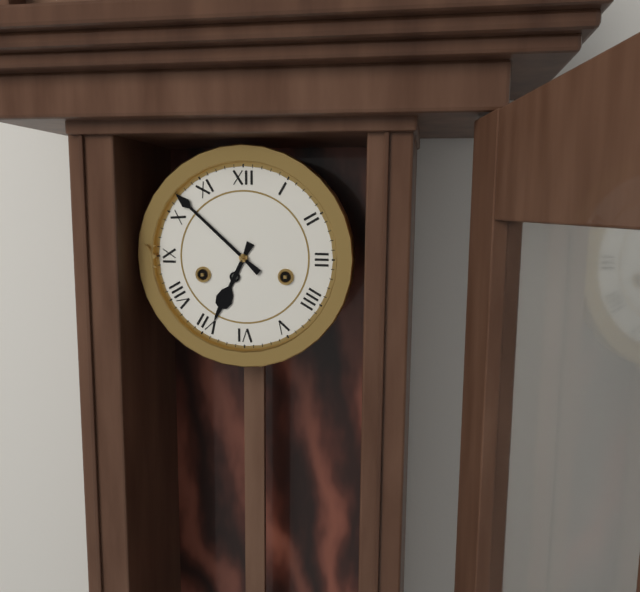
{"hour": 6, "minute": 52}
